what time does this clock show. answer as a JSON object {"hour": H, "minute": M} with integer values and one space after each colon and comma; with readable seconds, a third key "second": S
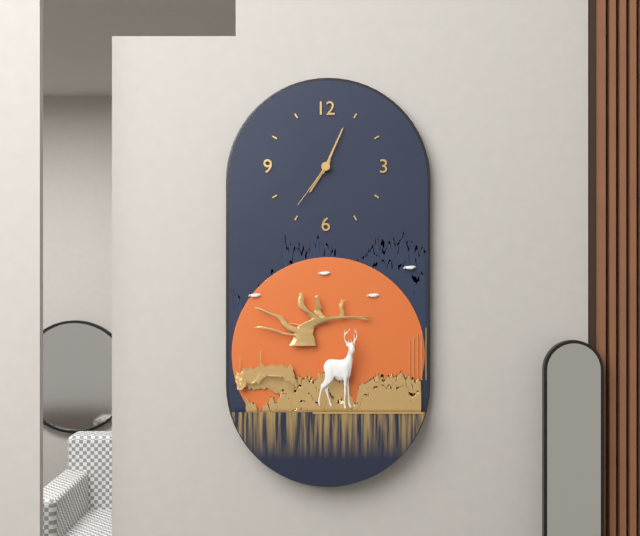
{"hour": 7, "minute": 4, "second": 36}
